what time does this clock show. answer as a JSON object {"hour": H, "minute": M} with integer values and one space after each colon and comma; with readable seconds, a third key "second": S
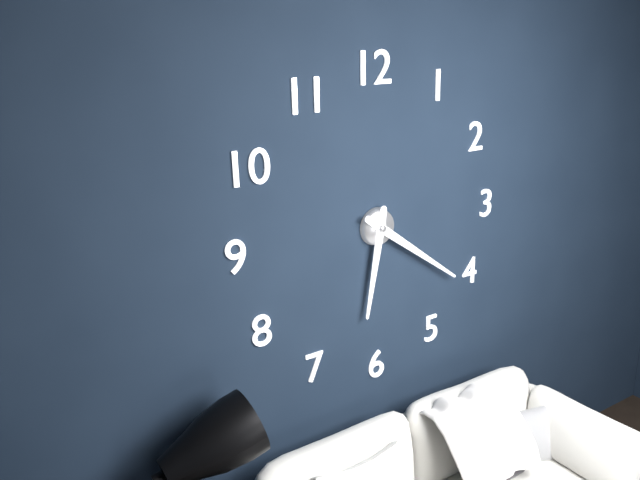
{"hour": 6, "minute": 21}
